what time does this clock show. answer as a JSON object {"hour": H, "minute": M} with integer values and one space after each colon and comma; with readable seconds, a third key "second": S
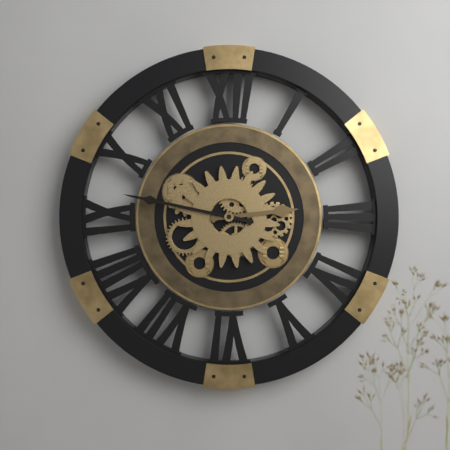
{"hour": 2, "minute": 47}
